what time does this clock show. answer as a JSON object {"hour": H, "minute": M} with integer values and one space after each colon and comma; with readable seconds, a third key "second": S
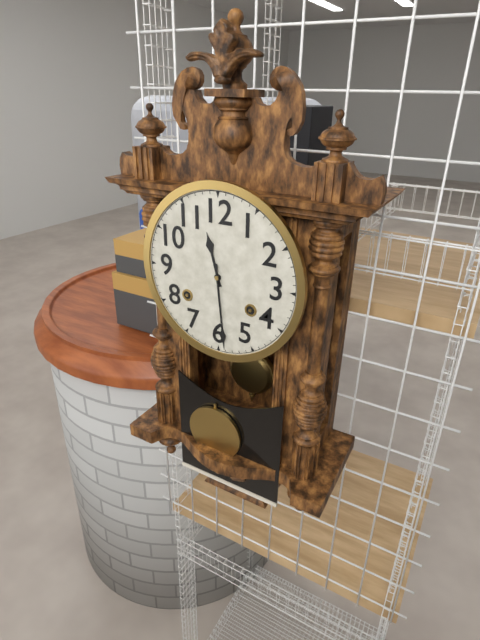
{"hour": 11, "minute": 29}
